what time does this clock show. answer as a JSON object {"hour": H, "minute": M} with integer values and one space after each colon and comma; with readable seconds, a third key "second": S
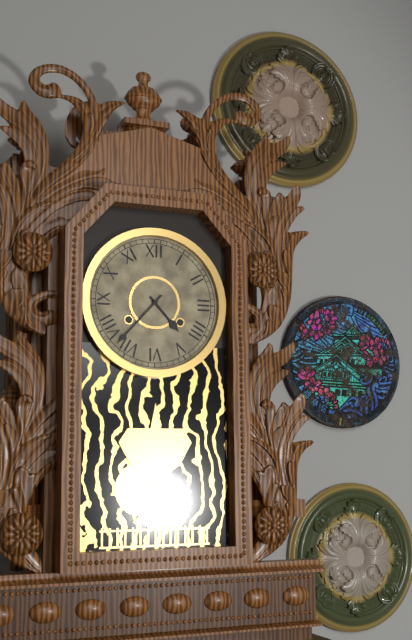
{"hour": 4, "minute": 37}
